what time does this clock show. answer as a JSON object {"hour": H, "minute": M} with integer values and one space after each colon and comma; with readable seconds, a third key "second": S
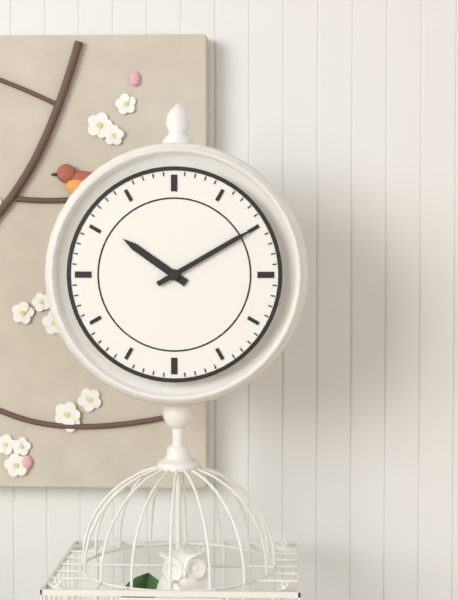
{"hour": 10, "minute": 10}
